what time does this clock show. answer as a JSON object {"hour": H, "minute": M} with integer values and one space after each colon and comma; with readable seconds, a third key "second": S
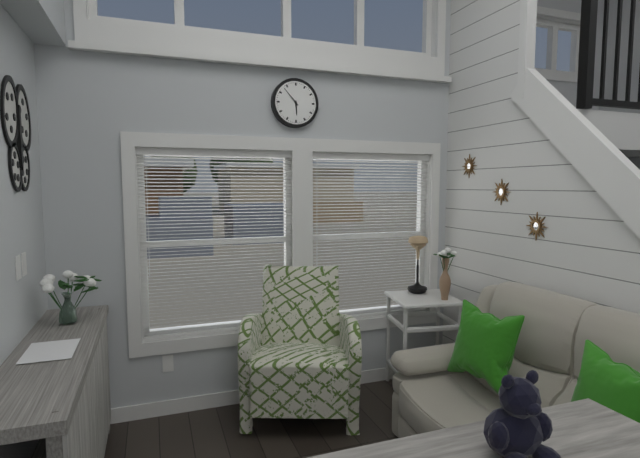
{"hour": 5, "minute": 53}
